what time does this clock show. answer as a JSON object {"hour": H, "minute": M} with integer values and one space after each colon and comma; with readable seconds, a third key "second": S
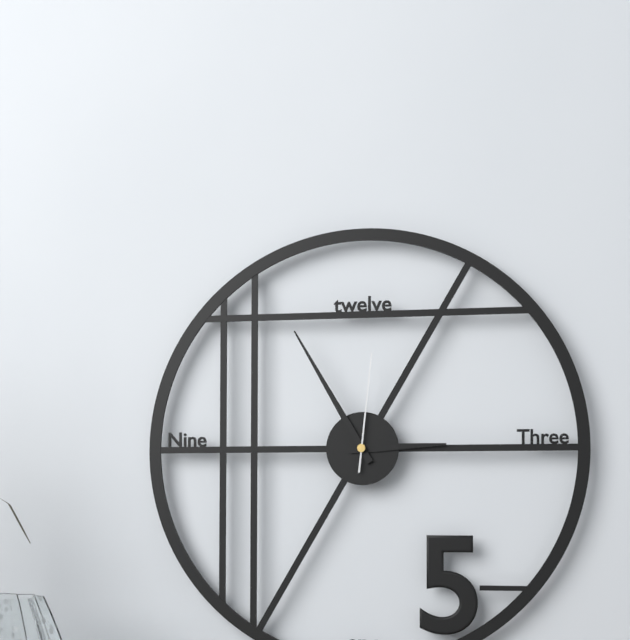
{"hour": 2, "minute": 55, "second": 1}
